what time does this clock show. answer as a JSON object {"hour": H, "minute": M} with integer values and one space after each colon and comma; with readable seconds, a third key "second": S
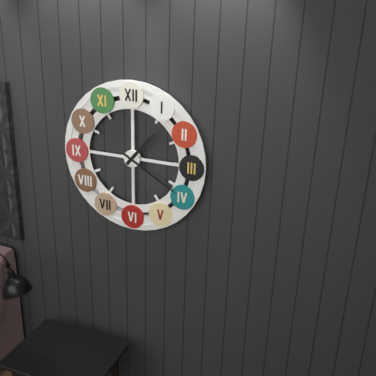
{"hour": 1, "minute": 20}
